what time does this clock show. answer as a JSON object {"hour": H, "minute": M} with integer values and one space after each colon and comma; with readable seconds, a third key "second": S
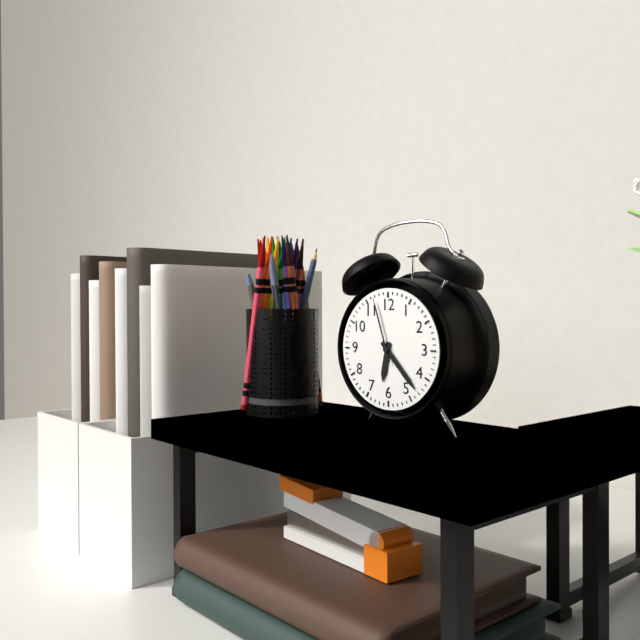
{"hour": 6, "minute": 23, "second": 57}
